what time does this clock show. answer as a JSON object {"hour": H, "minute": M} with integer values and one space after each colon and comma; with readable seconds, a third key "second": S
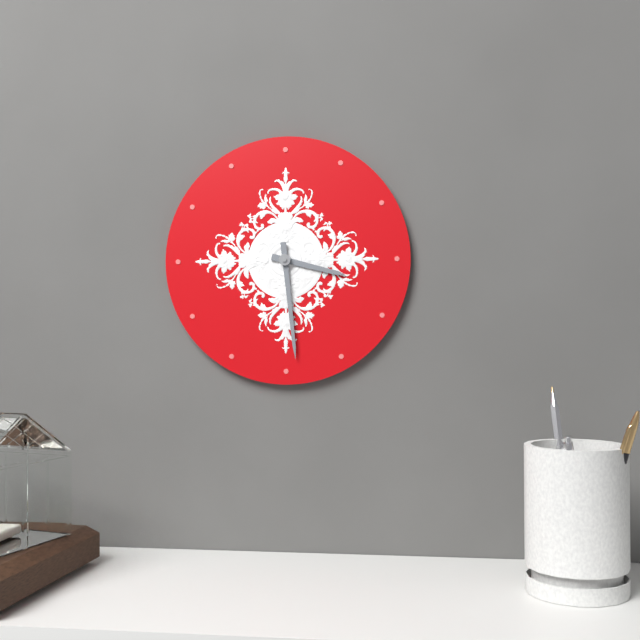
{"hour": 3, "minute": 29}
